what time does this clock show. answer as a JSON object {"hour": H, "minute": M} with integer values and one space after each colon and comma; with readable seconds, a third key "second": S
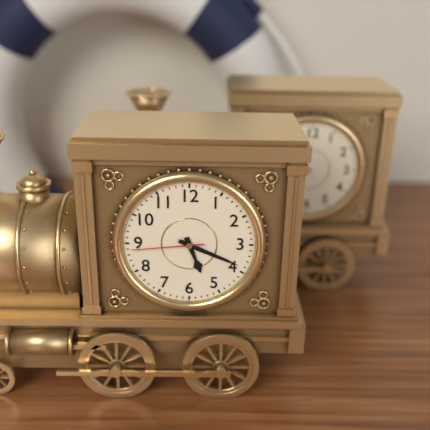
{"hour": 5, "minute": 19, "second": 44}
